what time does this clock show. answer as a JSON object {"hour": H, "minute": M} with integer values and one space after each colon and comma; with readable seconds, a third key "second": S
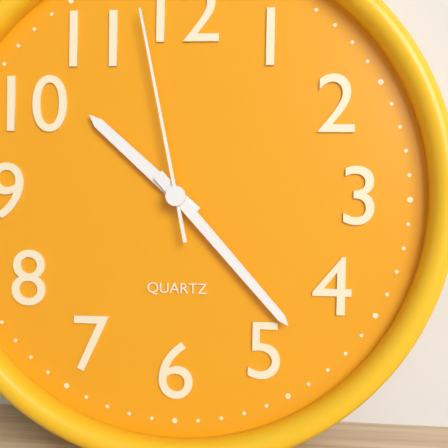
{"hour": 10, "minute": 23, "second": 58}
